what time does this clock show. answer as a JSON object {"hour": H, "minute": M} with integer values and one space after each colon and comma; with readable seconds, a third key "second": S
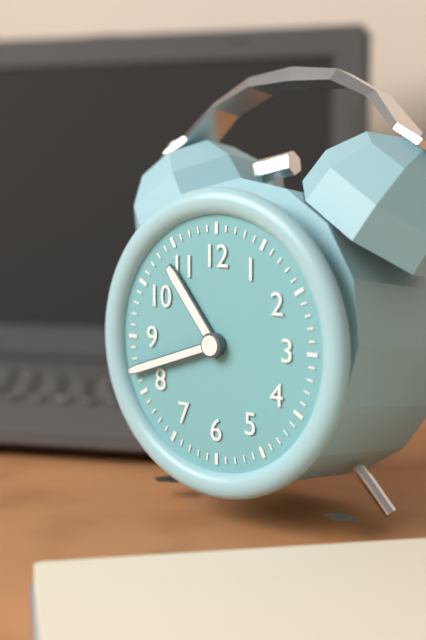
{"hour": 10, "minute": 42}
